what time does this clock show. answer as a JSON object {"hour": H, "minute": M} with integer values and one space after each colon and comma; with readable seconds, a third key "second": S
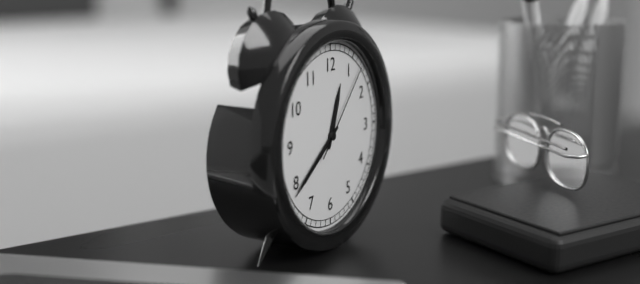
{"hour": 12, "minute": 39, "second": 7}
